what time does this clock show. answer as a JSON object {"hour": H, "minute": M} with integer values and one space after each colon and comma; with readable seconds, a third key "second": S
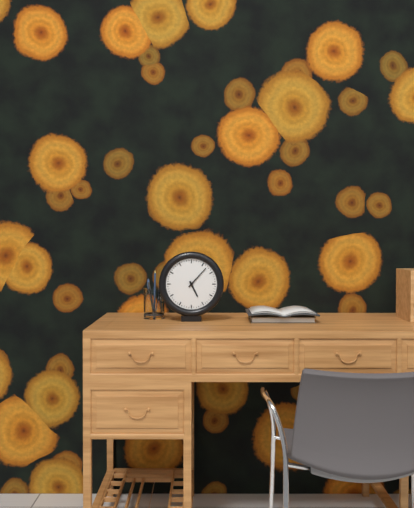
{"hour": 5, "minute": 7}
